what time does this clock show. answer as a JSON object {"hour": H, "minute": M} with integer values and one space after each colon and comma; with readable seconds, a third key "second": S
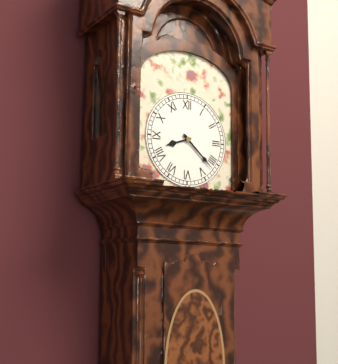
{"hour": 8, "minute": 22}
